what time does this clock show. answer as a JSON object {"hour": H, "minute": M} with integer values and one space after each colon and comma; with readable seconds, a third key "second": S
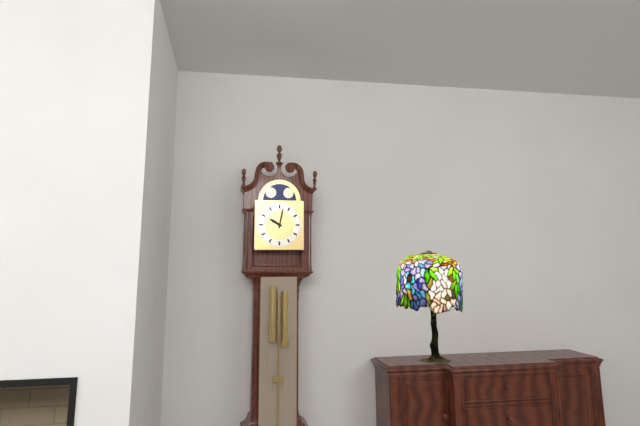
{"hour": 10, "minute": 2}
